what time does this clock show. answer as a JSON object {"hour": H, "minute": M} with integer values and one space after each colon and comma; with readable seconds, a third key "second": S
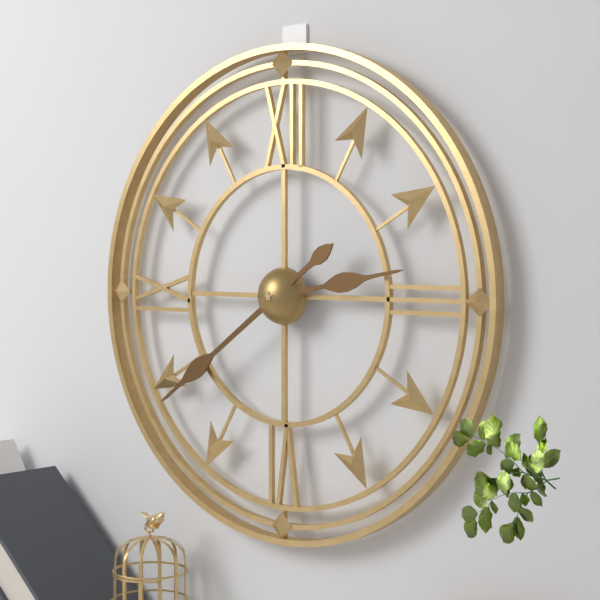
{"hour": 2, "minute": 39}
